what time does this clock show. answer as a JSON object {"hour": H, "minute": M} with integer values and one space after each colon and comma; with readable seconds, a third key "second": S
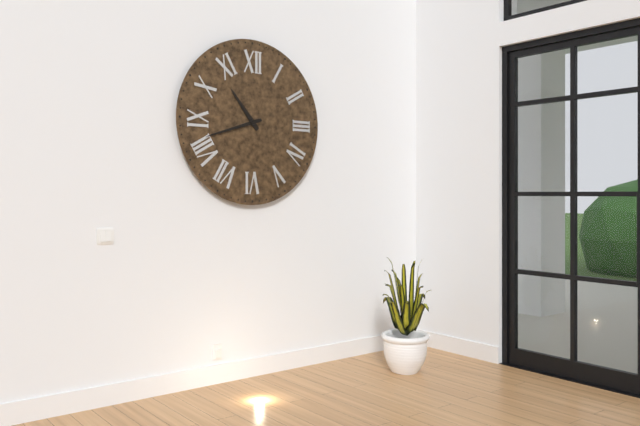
{"hour": 10, "minute": 42}
